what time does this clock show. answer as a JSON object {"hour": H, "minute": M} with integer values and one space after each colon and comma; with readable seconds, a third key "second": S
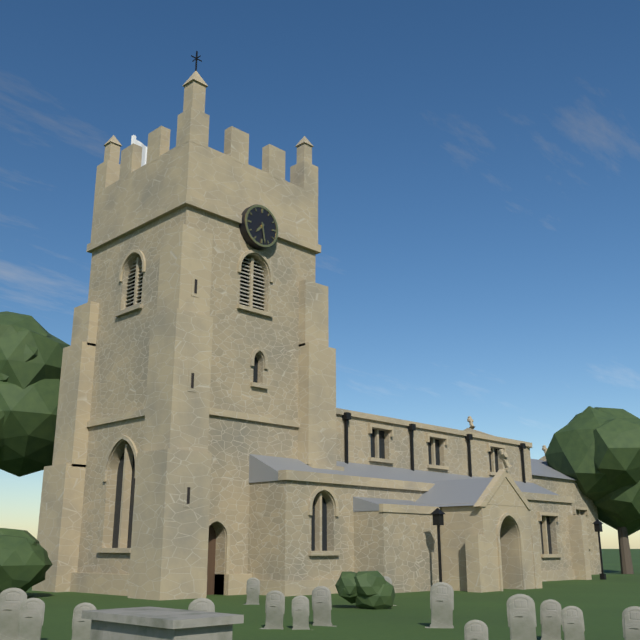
{"hour": 7, "minute": 28}
